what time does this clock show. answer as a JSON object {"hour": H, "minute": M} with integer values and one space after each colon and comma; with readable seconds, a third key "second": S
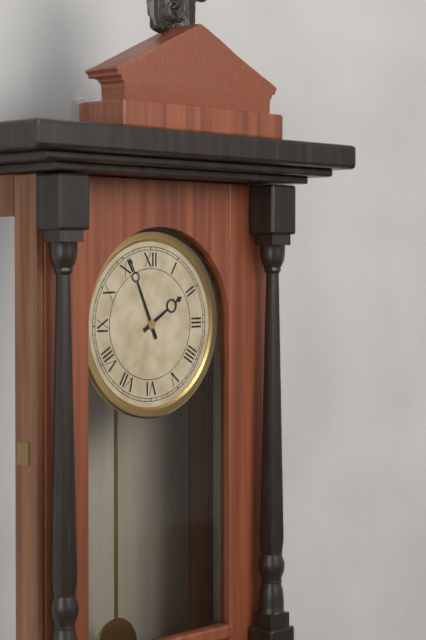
{"hour": 1, "minute": 56}
